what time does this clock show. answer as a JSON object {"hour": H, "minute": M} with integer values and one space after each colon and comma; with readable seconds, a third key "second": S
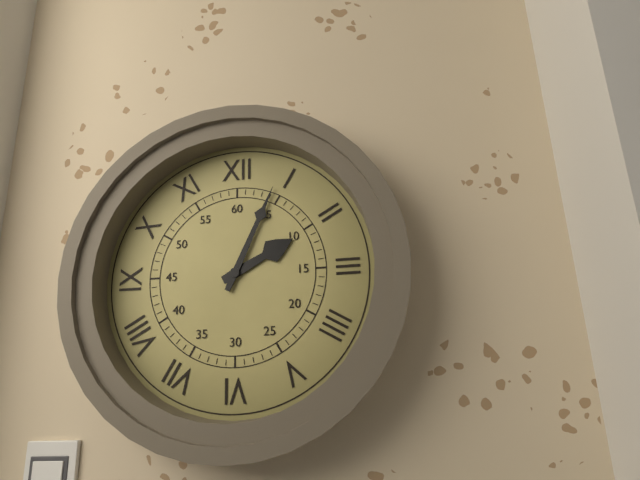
{"hour": 2, "minute": 4}
